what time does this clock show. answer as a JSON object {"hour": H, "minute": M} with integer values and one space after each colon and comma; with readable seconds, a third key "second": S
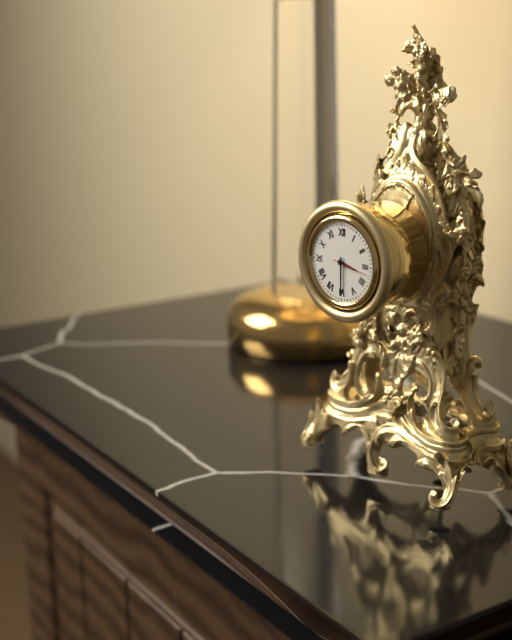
{"hour": 3, "minute": 30}
